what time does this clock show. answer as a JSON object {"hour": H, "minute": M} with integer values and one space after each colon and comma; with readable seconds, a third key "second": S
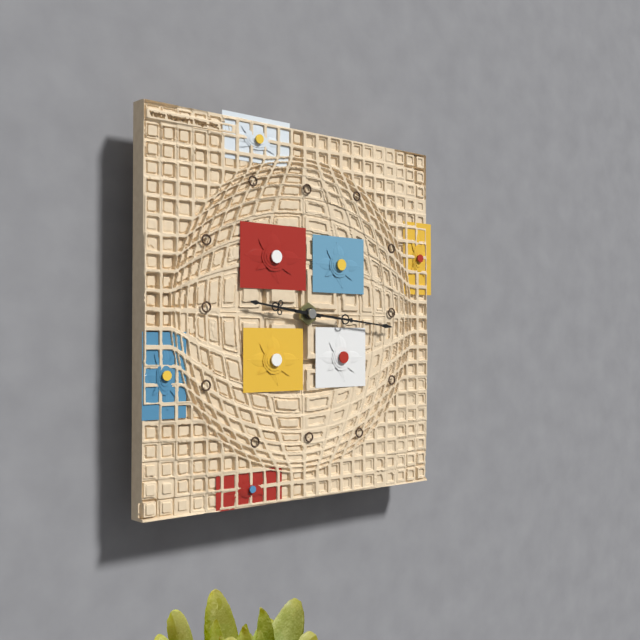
{"hour": 9, "minute": 16}
